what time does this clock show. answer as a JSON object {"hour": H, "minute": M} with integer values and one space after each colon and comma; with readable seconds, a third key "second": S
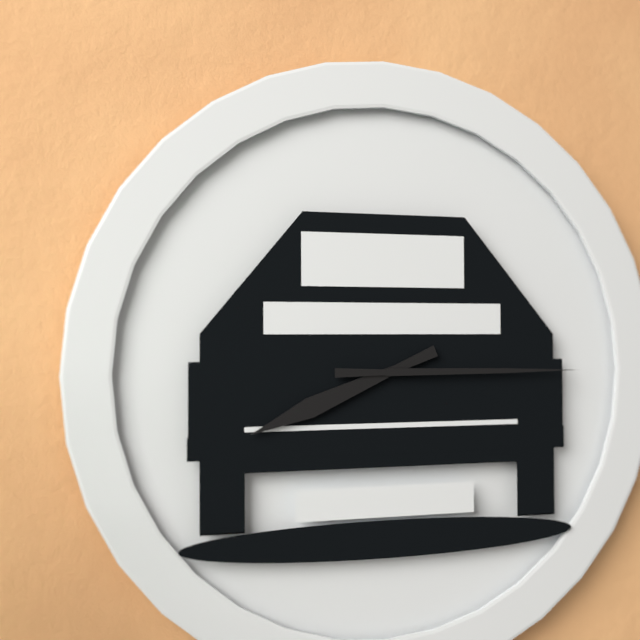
{"hour": 8, "minute": 15}
